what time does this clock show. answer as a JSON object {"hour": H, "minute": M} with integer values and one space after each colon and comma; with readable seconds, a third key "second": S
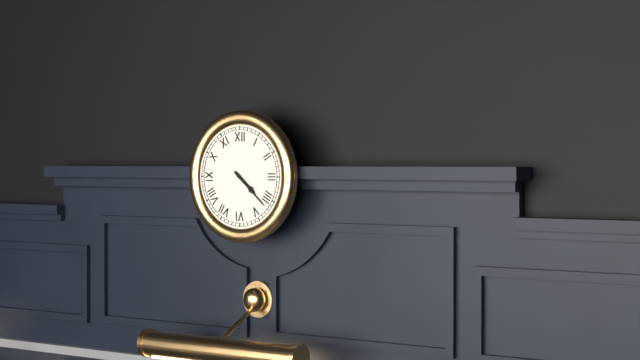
{"hour": 4, "minute": 22}
